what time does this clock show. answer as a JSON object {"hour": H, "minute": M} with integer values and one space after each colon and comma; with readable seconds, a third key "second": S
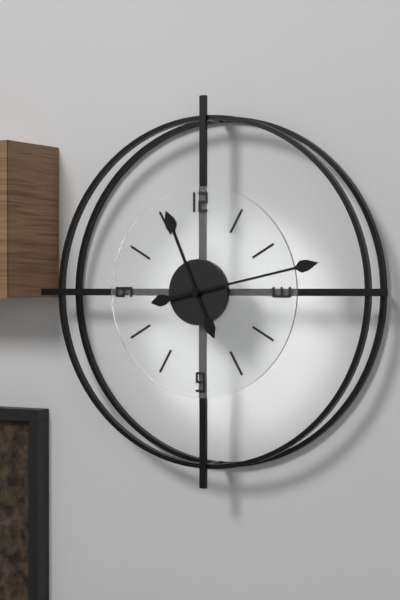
{"hour": 11, "minute": 13}
